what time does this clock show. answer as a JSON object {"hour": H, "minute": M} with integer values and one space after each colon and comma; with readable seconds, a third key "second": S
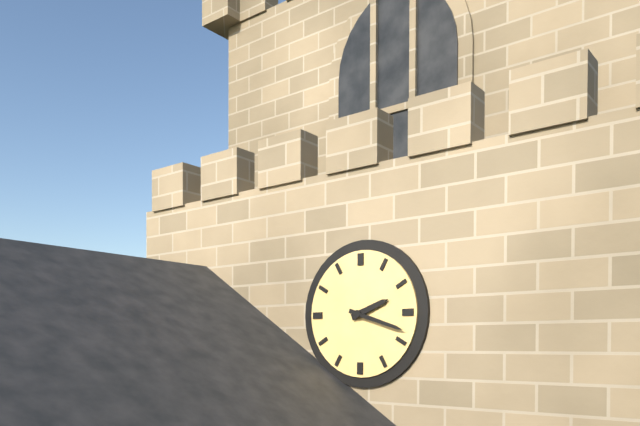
{"hour": 2, "minute": 18}
